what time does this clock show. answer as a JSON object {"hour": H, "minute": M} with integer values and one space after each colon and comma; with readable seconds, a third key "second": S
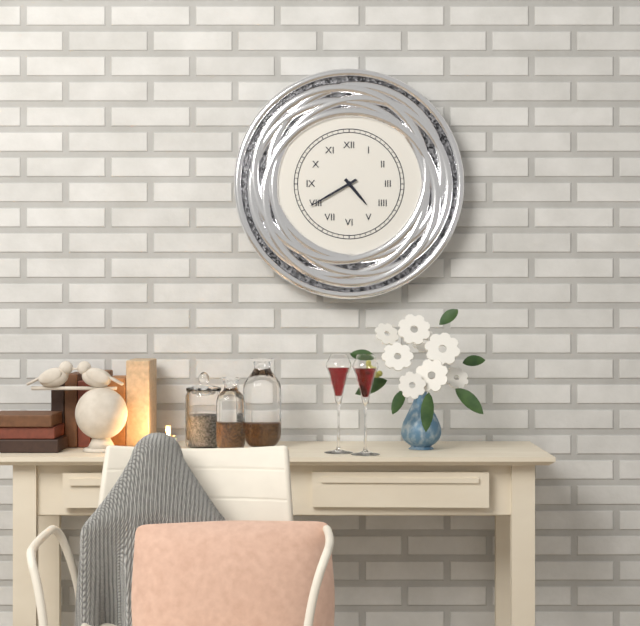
{"hour": 4, "minute": 40}
